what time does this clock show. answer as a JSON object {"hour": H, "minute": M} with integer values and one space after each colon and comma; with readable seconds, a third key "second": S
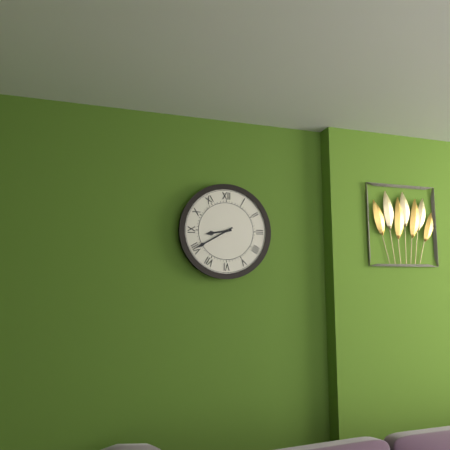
{"hour": 8, "minute": 40}
